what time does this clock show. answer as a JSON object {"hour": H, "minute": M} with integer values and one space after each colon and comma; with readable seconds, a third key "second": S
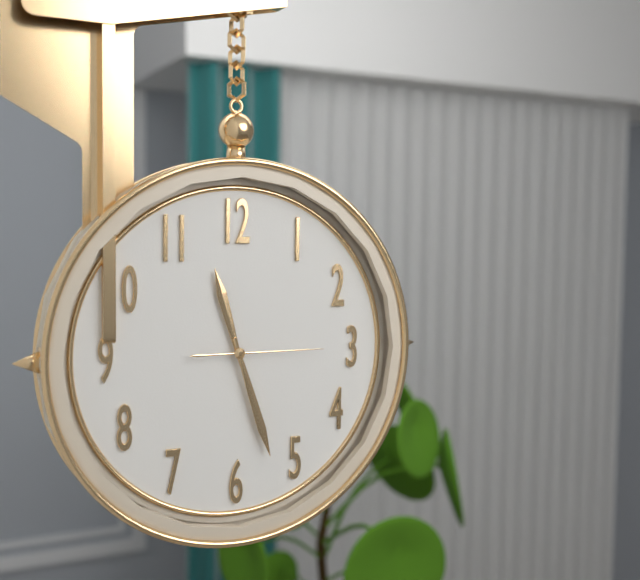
{"hour": 11, "minute": 27, "second": 15}
